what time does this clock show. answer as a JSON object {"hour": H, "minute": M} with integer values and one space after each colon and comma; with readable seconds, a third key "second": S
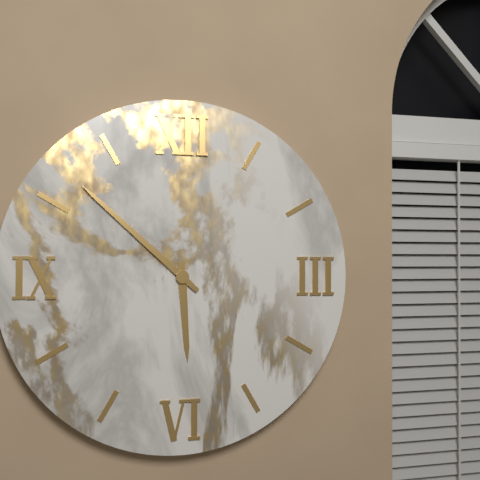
{"hour": 5, "minute": 52}
